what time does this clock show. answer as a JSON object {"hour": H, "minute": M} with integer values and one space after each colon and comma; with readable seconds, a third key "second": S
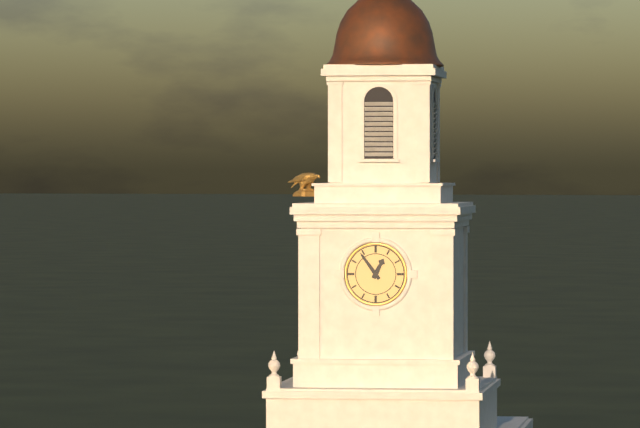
{"hour": 12, "minute": 54}
